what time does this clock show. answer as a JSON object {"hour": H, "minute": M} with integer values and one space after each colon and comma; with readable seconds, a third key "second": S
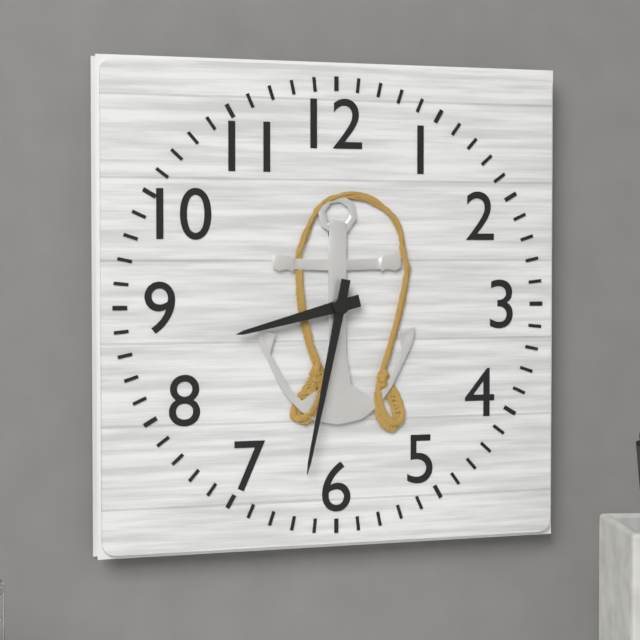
{"hour": 8, "minute": 32}
